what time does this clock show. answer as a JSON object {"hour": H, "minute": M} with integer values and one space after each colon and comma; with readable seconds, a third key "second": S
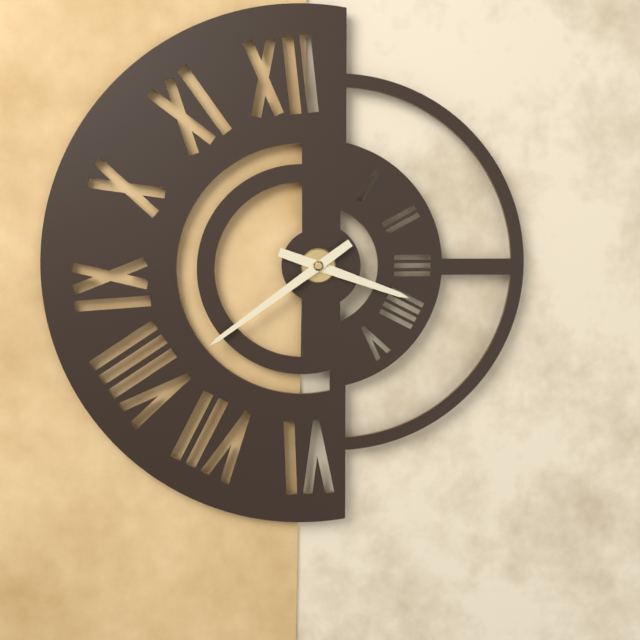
{"hour": 3, "minute": 39}
